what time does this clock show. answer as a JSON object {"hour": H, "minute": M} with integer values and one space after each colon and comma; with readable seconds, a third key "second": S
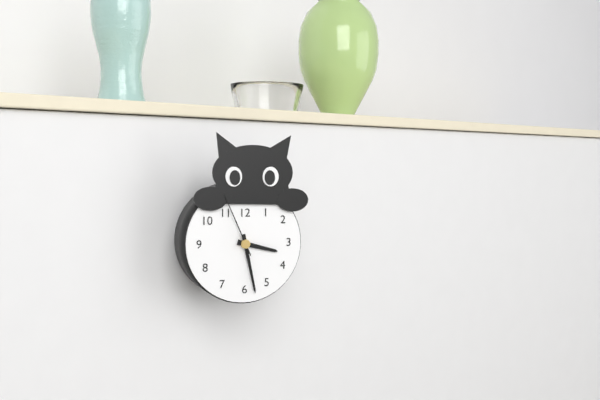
{"hour": 3, "minute": 28, "second": 56}
